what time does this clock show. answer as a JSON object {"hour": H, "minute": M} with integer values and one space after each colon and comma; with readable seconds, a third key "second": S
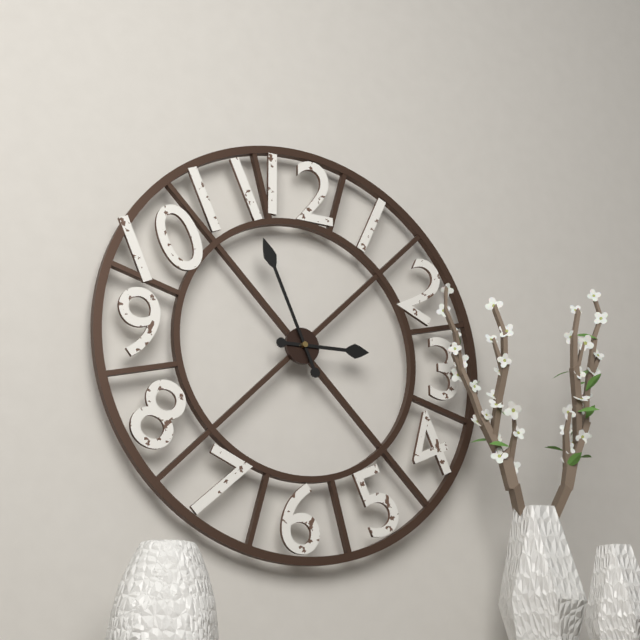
{"hour": 2, "minute": 56}
